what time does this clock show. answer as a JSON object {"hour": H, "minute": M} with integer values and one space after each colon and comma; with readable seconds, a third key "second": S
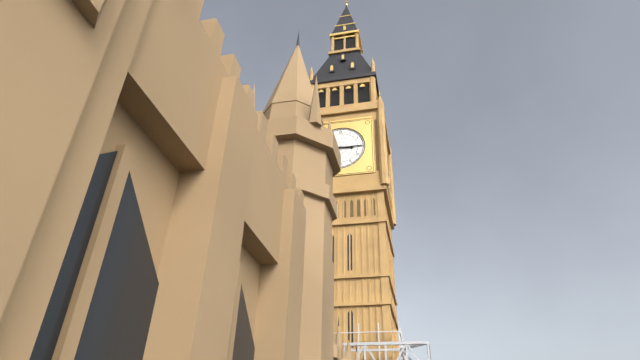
{"hour": 3, "minute": 15}
